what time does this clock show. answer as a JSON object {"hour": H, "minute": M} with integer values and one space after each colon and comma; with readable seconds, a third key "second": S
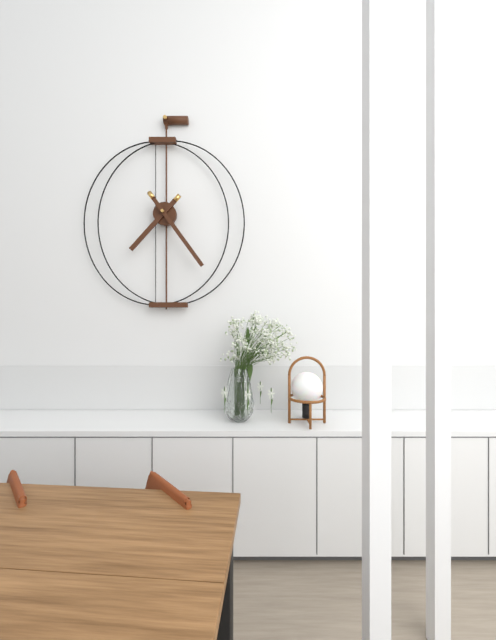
{"hour": 7, "minute": 24}
